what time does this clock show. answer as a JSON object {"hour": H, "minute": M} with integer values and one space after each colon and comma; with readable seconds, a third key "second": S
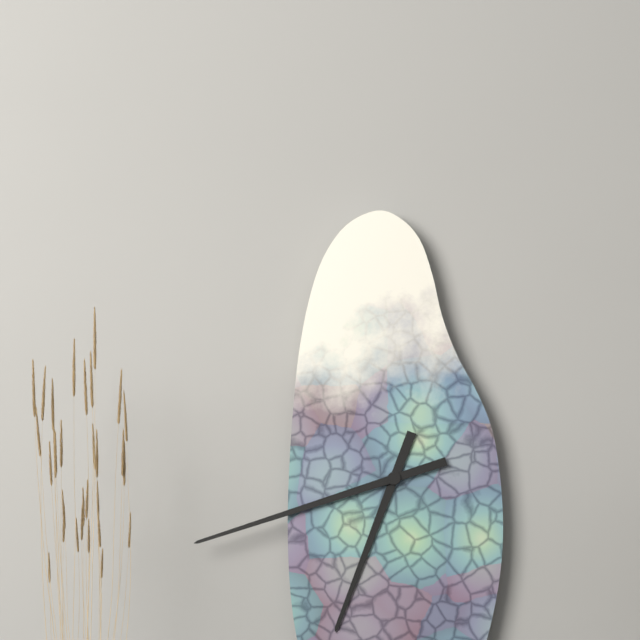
{"hour": 6, "minute": 42}
